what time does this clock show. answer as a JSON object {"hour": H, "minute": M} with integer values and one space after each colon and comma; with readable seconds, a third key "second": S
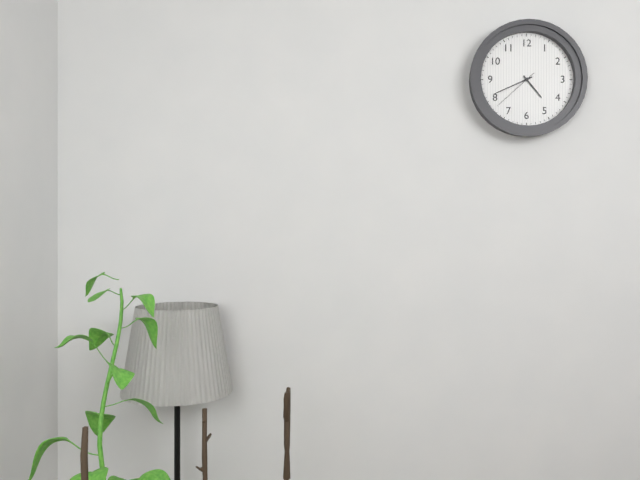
{"hour": 4, "minute": 41, "second": 38}
